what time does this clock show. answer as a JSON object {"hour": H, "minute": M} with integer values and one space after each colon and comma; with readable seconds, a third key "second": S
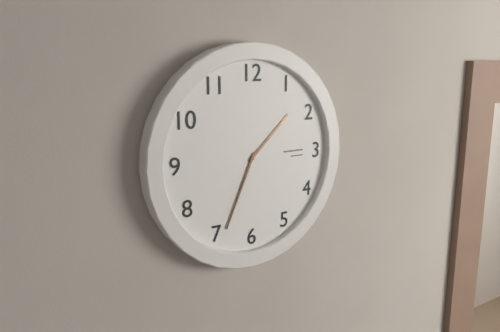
{"hour": 1, "minute": 34}
